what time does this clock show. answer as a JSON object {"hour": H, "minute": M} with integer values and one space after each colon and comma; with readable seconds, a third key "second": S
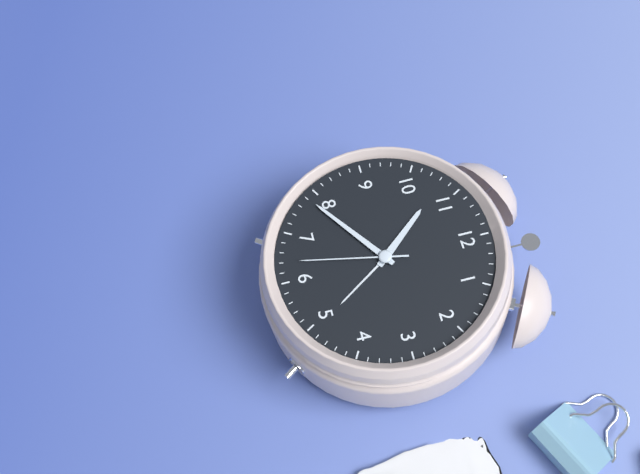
{"hour": 10, "minute": 39, "second": 32}
